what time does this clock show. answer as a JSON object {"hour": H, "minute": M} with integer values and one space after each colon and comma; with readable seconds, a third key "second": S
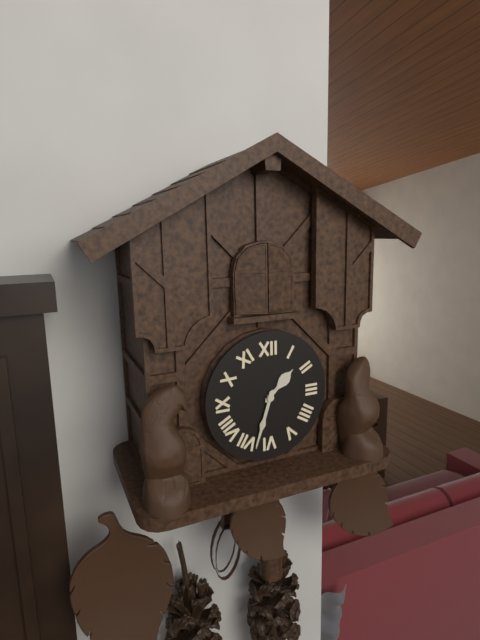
{"hour": 1, "minute": 33}
